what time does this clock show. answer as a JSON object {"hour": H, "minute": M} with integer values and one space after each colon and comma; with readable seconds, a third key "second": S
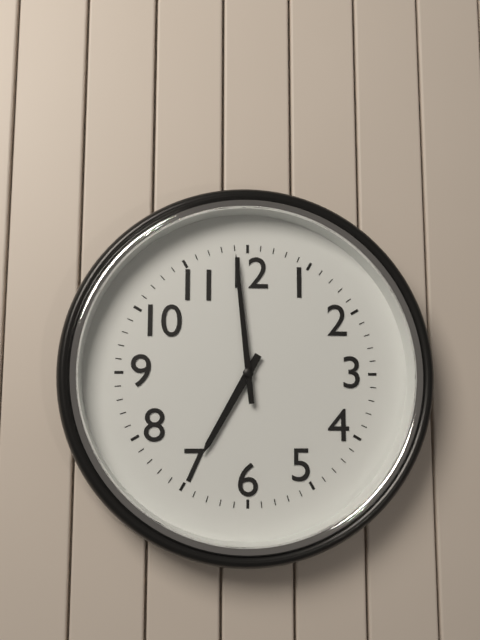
{"hour": 6, "minute": 59}
